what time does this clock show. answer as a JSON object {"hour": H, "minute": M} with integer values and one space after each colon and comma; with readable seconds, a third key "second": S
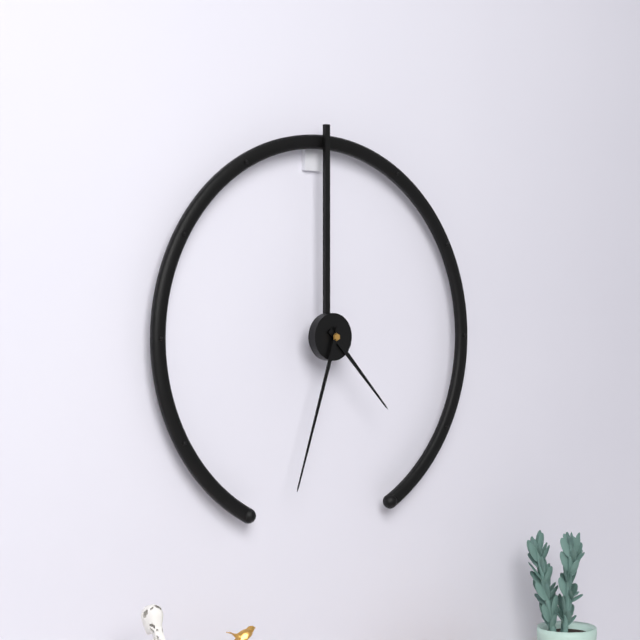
{"hour": 4, "minute": 33}
